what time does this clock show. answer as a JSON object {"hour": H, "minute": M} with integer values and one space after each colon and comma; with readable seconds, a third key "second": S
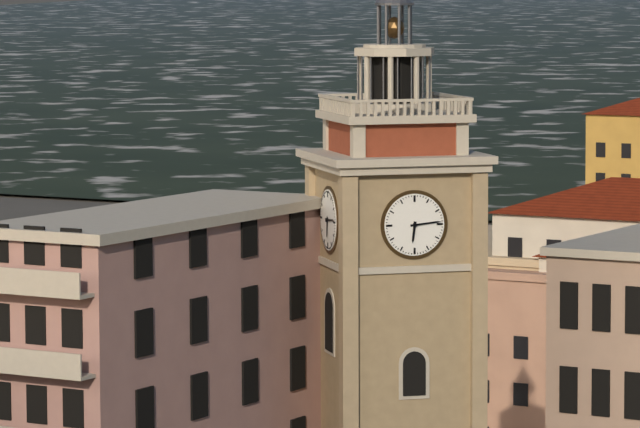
{"hour": 6, "minute": 14}
